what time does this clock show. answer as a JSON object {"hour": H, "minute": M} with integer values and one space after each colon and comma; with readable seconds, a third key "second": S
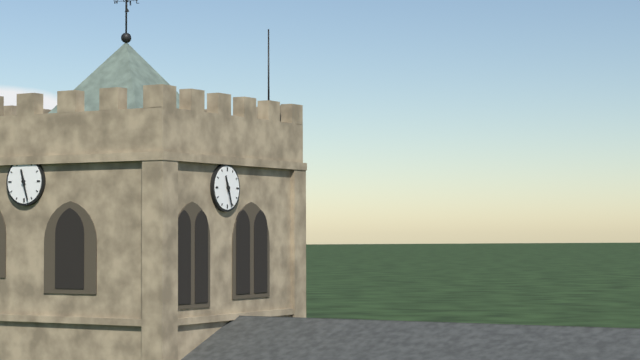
{"hour": 11, "minute": 27}
